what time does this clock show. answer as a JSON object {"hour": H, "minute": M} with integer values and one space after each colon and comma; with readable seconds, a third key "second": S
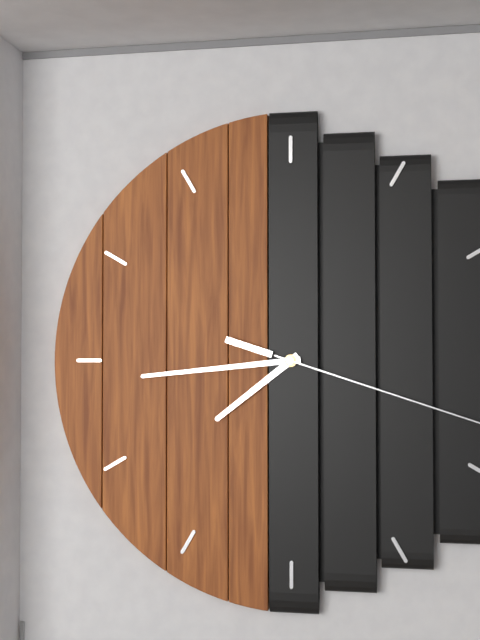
{"hour": 7, "minute": 44}
